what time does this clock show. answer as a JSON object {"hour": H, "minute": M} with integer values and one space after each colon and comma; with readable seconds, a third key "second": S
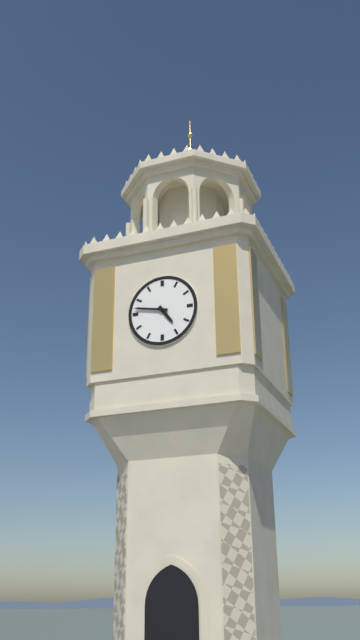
{"hour": 4, "minute": 47}
